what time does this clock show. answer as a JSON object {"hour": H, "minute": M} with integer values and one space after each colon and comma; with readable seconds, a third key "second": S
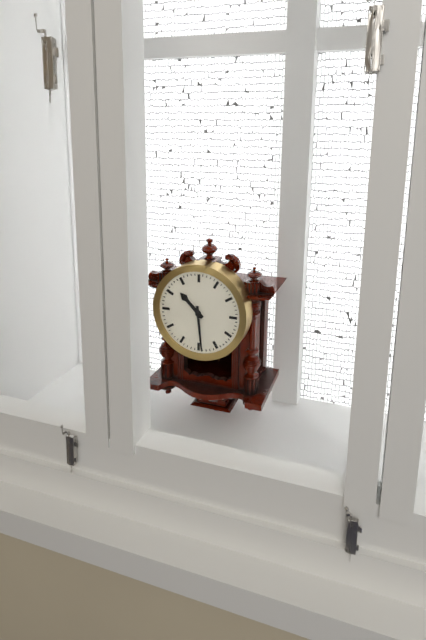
{"hour": 10, "minute": 29}
